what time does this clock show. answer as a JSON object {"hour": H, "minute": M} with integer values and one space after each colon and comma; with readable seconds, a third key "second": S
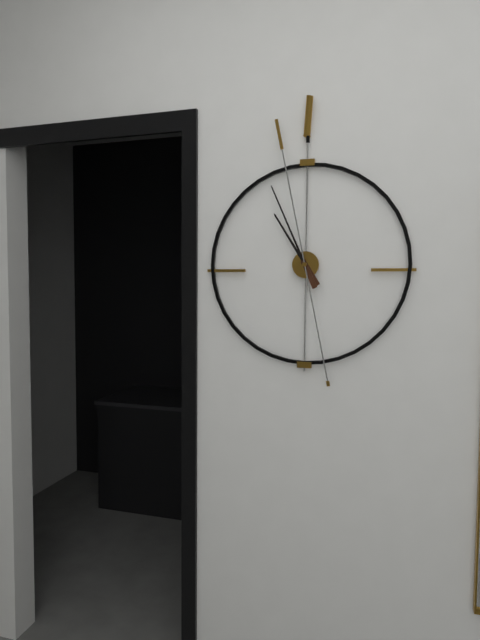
{"hour": 10, "minute": 56, "second": 58}
